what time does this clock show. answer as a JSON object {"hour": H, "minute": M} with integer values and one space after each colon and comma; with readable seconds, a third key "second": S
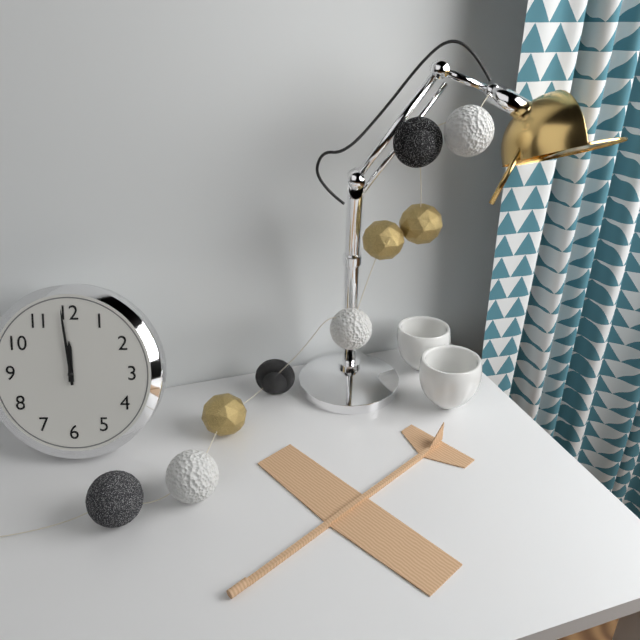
{"hour": 11, "minute": 59}
